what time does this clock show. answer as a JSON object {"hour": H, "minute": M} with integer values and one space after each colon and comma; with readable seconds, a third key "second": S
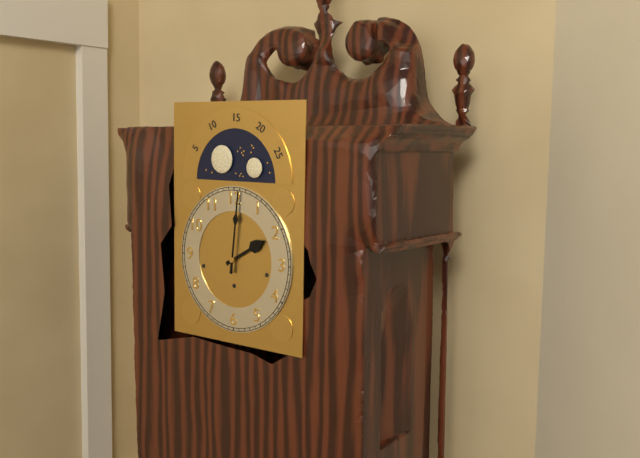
{"hour": 2, "minute": 1}
